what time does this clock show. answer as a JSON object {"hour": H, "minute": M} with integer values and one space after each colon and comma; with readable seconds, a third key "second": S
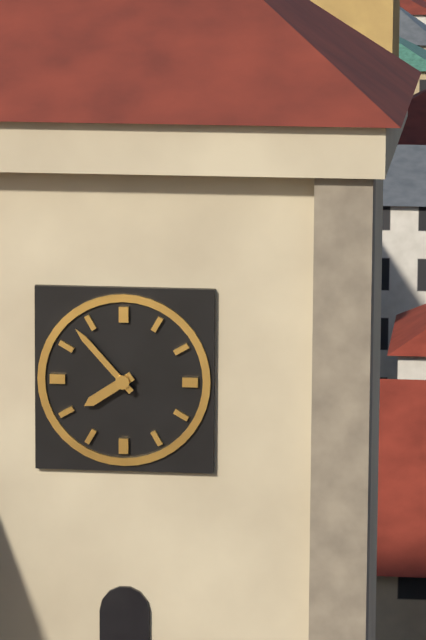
{"hour": 7, "minute": 53}
